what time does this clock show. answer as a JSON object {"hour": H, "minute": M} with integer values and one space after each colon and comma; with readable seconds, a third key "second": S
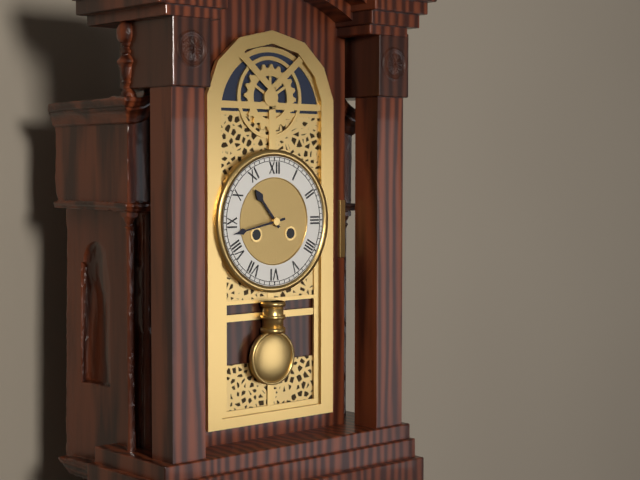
{"hour": 10, "minute": 43}
